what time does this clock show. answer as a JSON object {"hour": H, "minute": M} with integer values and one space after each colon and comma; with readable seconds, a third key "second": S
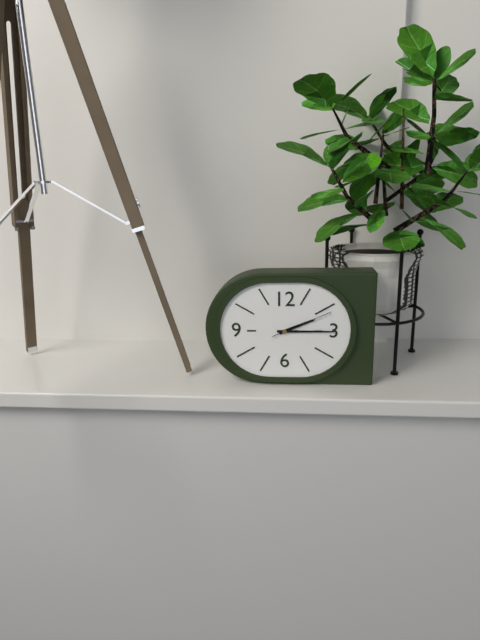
{"hour": 2, "minute": 15, "second": 11}
